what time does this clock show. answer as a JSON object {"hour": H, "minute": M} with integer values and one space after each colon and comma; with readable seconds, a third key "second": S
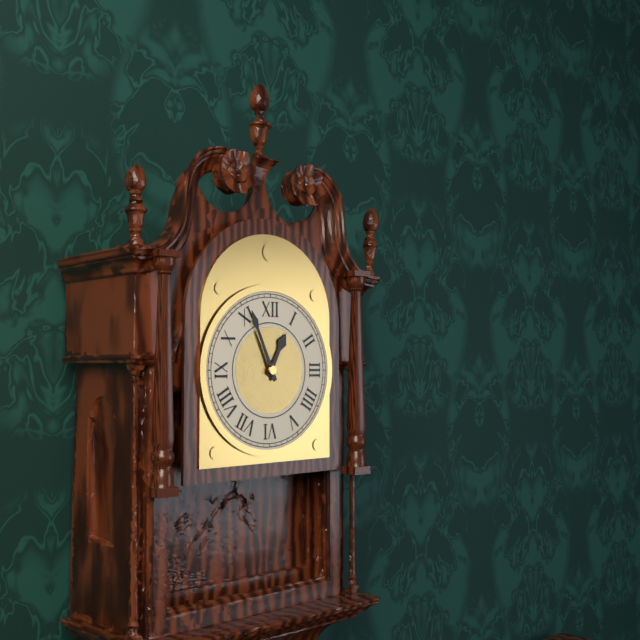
{"hour": 12, "minute": 56}
